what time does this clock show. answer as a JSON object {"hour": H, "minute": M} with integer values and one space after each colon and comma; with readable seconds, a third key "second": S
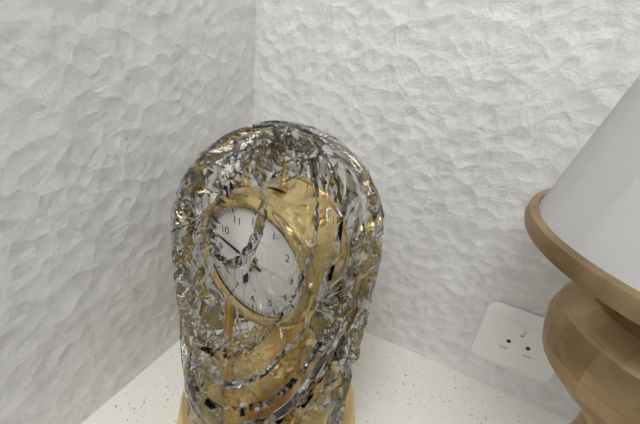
{"hour": 6, "minute": 48}
